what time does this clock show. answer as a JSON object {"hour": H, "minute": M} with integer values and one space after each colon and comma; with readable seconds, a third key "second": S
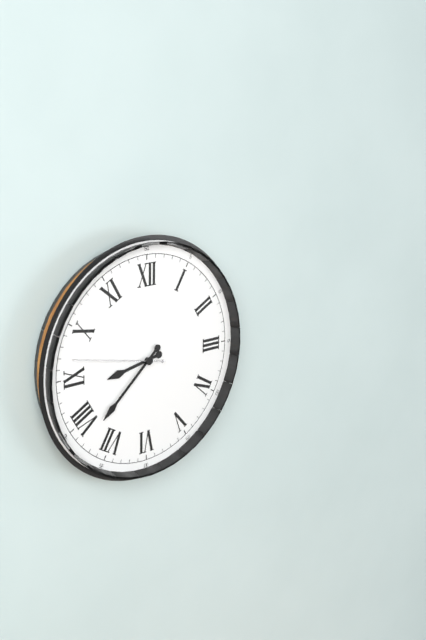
{"hour": 8, "minute": 38, "second": 47}
